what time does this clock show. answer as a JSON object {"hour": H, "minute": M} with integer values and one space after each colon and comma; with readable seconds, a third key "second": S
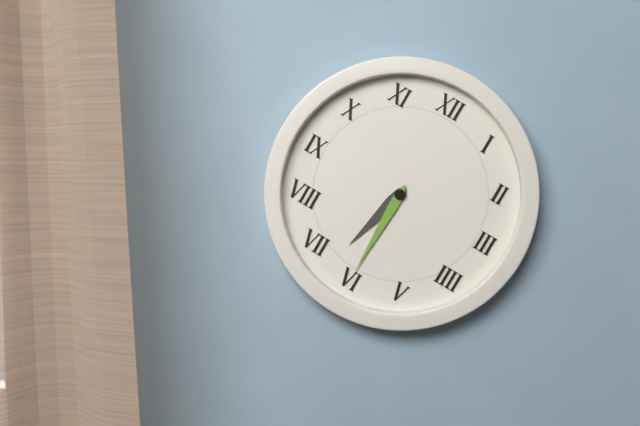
{"hour": 6, "minute": 30}
